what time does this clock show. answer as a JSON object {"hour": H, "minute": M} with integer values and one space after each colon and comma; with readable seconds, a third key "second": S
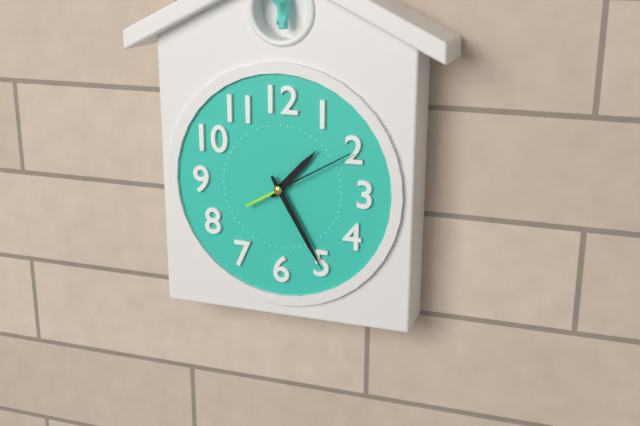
{"hour": 1, "minute": 25, "second": 10}
